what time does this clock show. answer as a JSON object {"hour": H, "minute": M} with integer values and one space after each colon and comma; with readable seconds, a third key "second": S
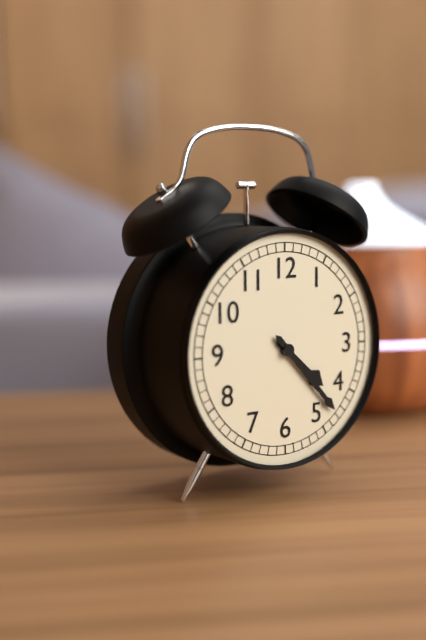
{"hour": 4, "minute": 23}
